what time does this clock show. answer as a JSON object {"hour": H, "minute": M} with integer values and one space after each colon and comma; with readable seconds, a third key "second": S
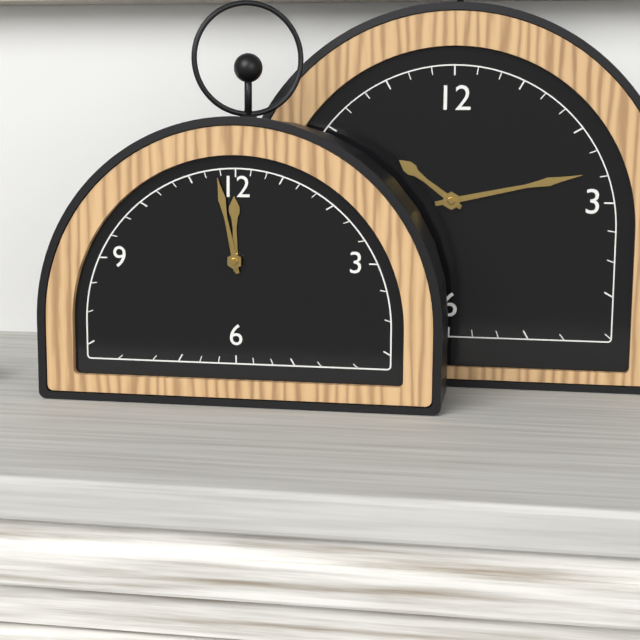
{"hour": 11, "minute": 58}
